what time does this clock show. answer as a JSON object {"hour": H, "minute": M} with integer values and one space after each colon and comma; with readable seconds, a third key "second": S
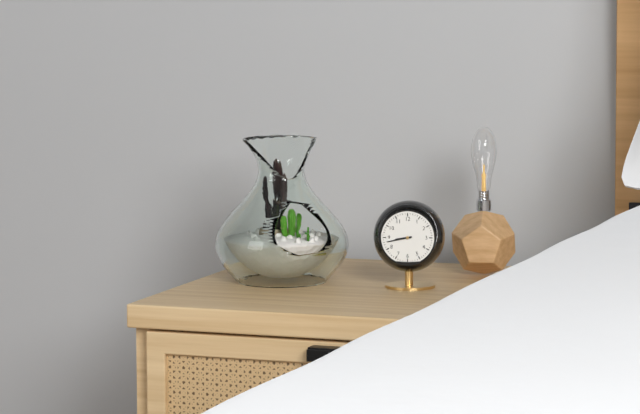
{"hour": 8, "minute": 43}
